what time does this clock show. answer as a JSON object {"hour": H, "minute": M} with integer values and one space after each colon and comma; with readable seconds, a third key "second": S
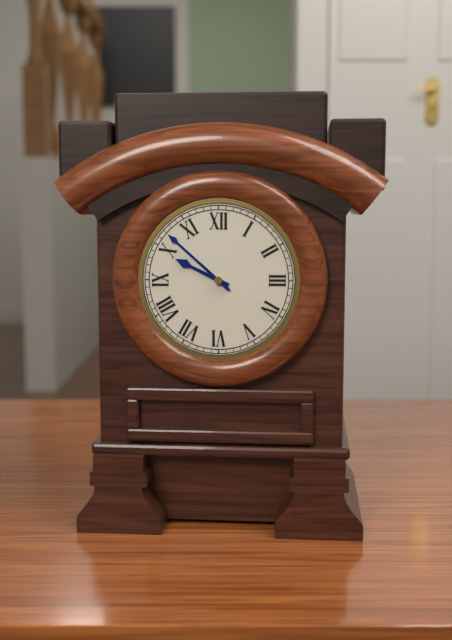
{"hour": 9, "minute": 52}
